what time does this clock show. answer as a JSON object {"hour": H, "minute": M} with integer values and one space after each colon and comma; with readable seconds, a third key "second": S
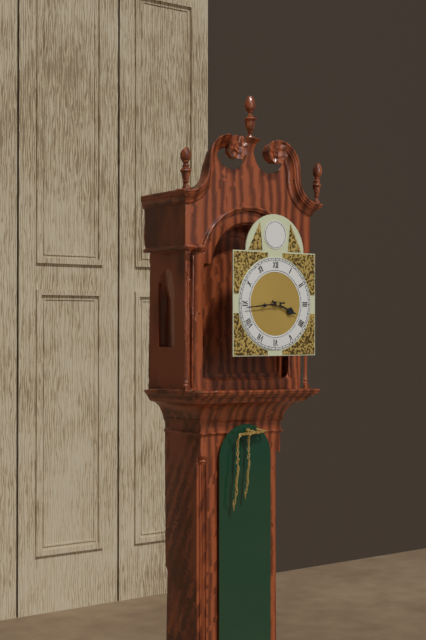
{"hour": 3, "minute": 44}
